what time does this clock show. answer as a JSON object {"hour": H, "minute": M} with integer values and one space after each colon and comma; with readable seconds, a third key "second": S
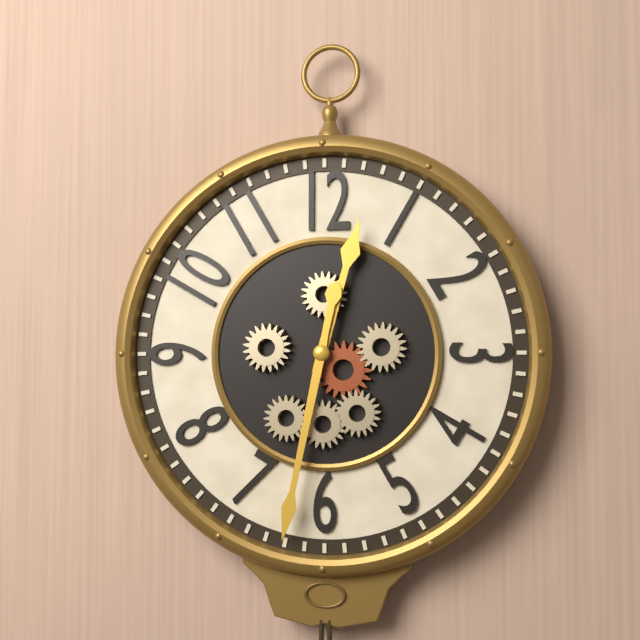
{"hour": 12, "minute": 32}
